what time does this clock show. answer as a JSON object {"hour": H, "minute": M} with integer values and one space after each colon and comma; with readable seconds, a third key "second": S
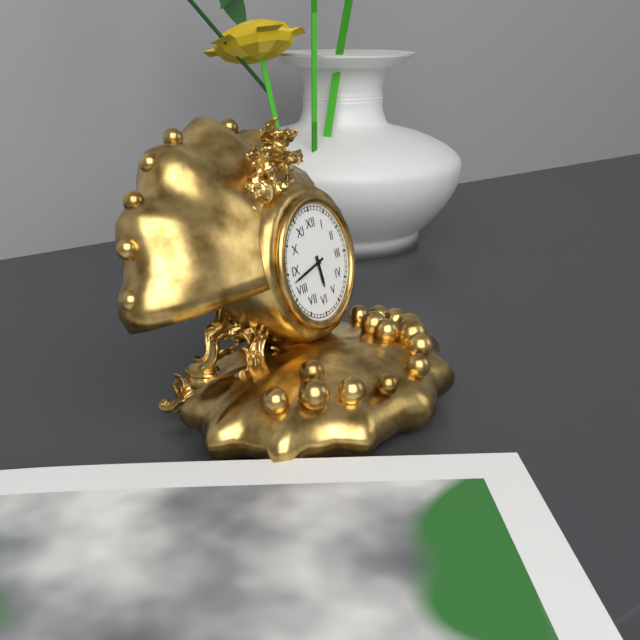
{"hour": 5, "minute": 43}
